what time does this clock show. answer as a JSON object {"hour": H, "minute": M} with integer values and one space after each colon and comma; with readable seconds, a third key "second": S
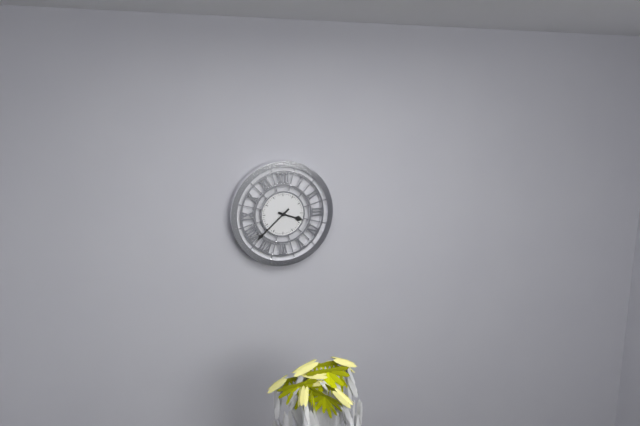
{"hour": 3, "minute": 38}
